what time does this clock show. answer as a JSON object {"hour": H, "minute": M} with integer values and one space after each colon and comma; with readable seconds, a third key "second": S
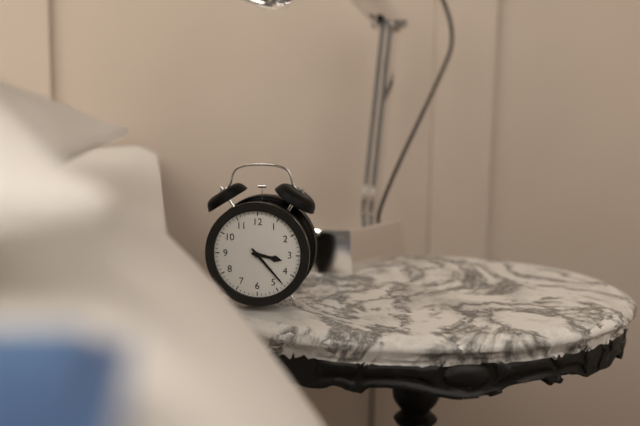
{"hour": 3, "minute": 23}
